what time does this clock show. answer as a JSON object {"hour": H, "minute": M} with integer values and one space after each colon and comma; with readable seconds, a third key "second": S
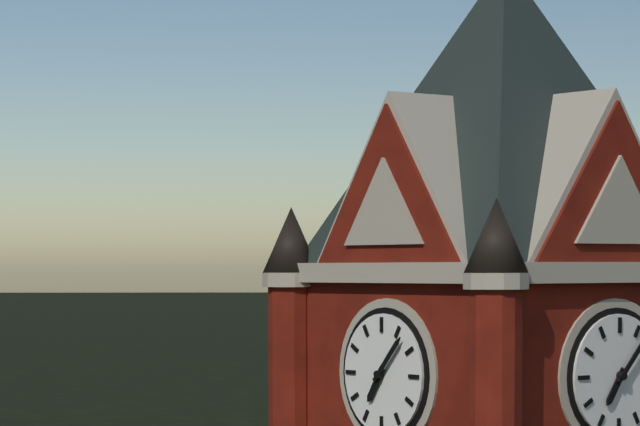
{"hour": 7, "minute": 7}
